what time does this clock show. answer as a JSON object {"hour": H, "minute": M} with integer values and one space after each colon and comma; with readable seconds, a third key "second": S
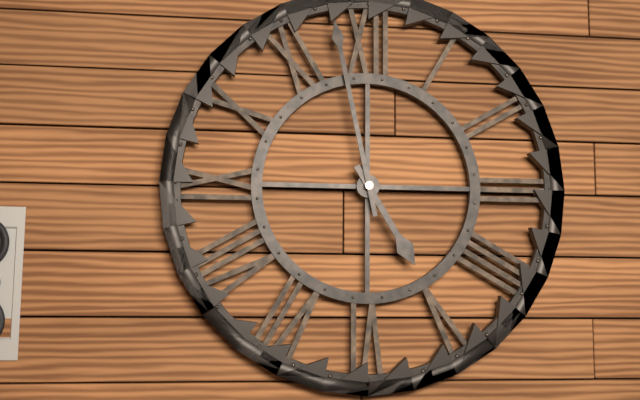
{"hour": 4, "minute": 58}
